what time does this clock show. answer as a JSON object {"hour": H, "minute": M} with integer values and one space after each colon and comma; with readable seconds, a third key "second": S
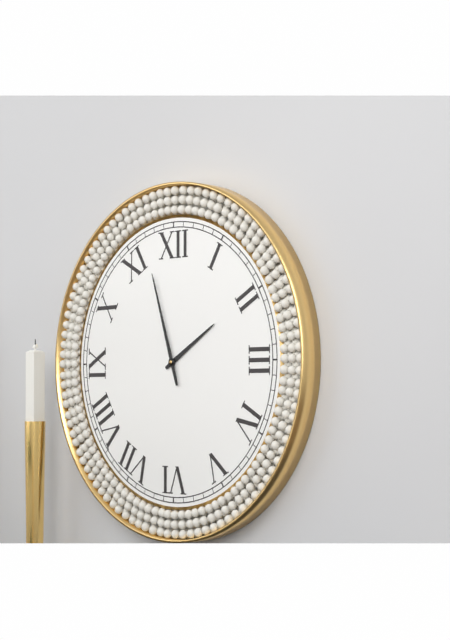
{"hour": 1, "minute": 57}
